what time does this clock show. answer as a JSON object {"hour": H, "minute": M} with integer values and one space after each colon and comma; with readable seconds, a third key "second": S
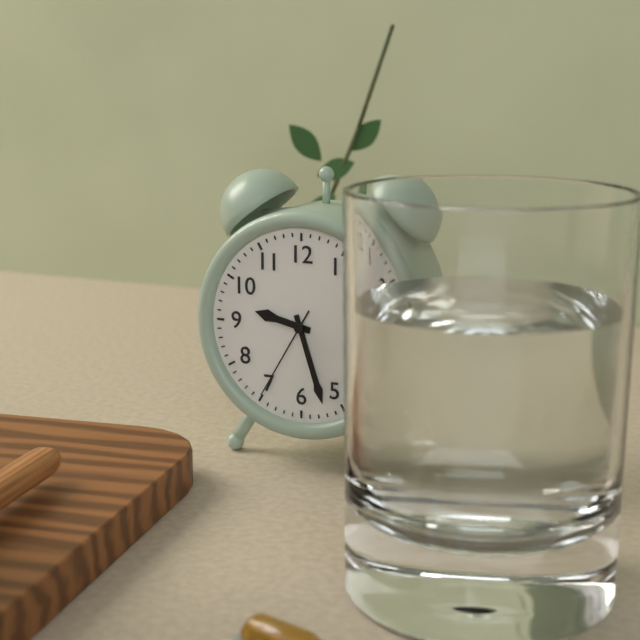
{"hour": 9, "minute": 27, "second": 35}
